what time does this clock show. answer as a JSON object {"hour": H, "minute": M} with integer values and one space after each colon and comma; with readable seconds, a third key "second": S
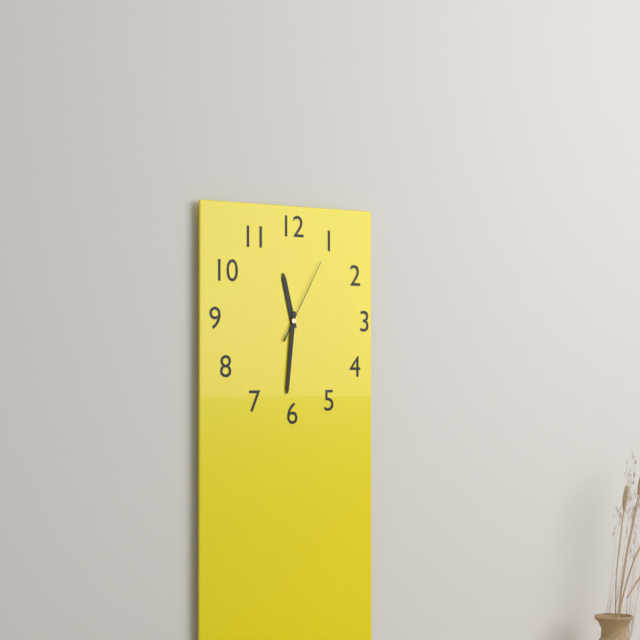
{"hour": 11, "minute": 31, "second": 5}
